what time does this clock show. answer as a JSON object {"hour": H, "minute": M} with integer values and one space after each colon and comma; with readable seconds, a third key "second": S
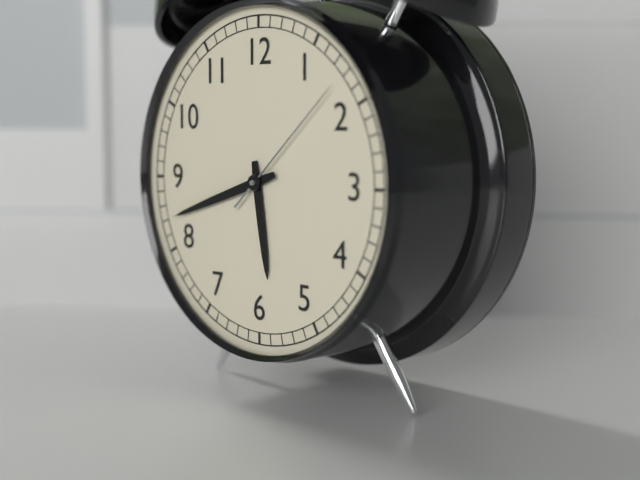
{"hour": 5, "minute": 42, "second": 8}
